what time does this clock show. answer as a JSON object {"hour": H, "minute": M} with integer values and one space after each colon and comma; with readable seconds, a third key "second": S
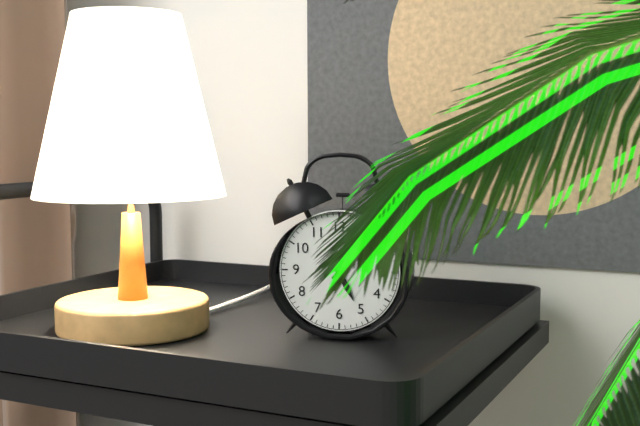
{"hour": 5, "minute": 7}
